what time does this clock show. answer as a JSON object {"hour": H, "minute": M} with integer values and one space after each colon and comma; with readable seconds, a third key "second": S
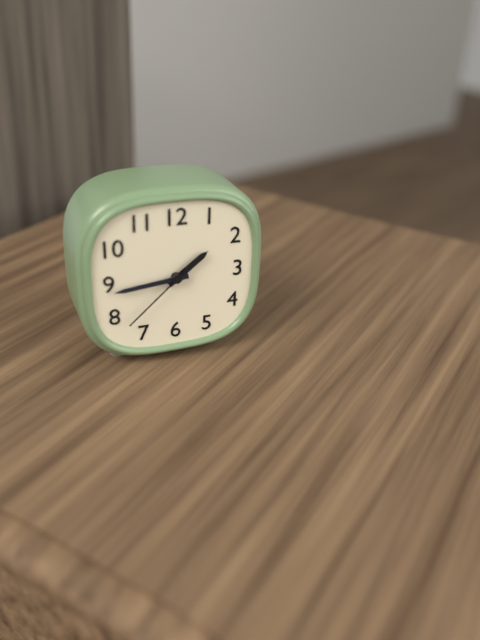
{"hour": 1, "minute": 44, "second": 38}
